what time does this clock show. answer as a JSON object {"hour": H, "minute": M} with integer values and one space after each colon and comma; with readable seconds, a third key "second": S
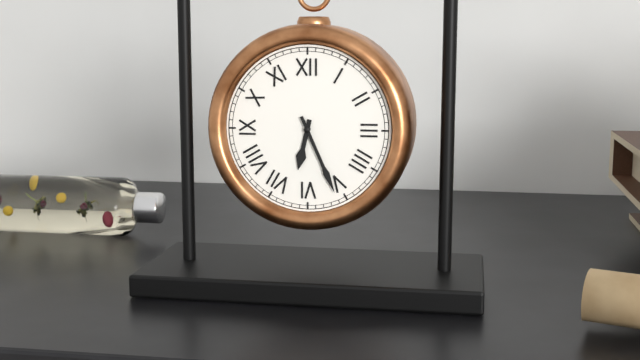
{"hour": 6, "minute": 26}
